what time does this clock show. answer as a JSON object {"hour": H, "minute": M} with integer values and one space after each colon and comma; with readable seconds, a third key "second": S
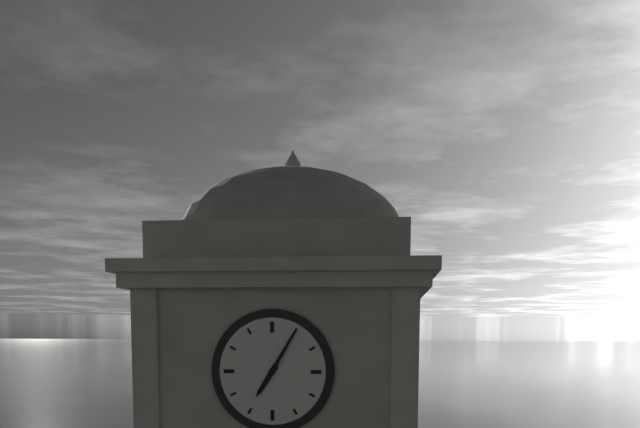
{"hour": 7, "minute": 5}
